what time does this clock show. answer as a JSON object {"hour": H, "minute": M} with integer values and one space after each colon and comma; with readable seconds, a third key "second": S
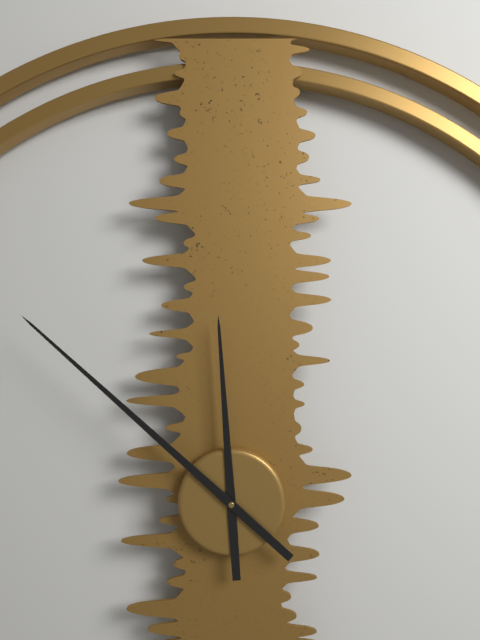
{"hour": 11, "minute": 52}
